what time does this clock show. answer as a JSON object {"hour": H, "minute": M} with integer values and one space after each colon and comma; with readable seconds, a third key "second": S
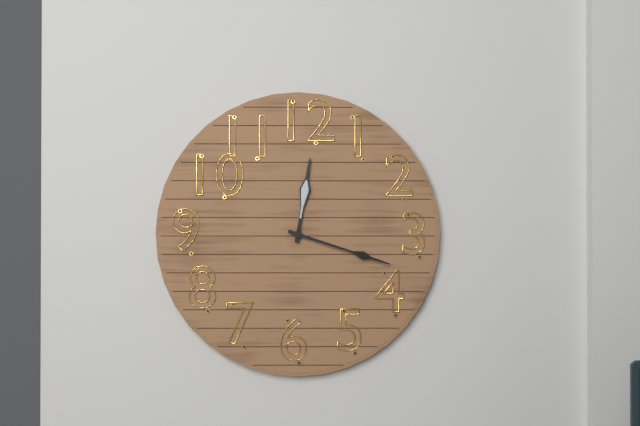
{"hour": 12, "minute": 18}
